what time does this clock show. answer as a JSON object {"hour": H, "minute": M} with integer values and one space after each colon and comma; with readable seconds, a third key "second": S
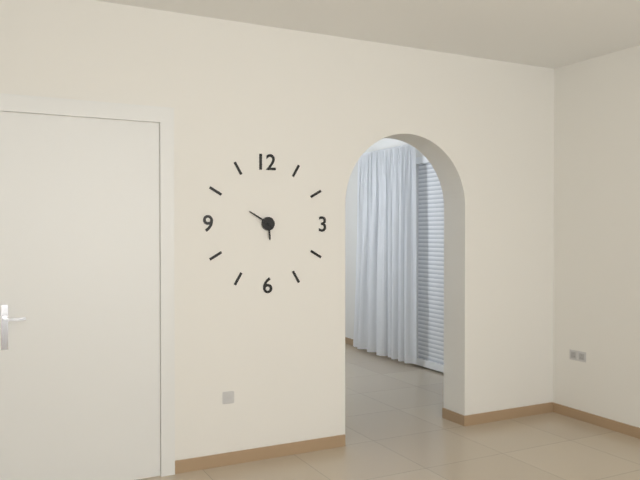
{"hour": 5, "minute": 50}
